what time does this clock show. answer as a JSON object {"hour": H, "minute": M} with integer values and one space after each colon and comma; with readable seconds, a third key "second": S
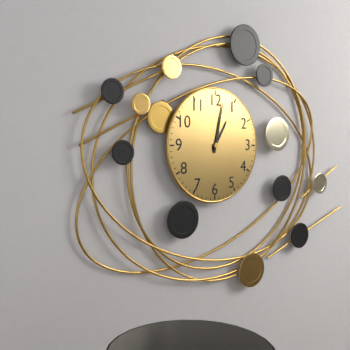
{"hour": 1, "minute": 2}
